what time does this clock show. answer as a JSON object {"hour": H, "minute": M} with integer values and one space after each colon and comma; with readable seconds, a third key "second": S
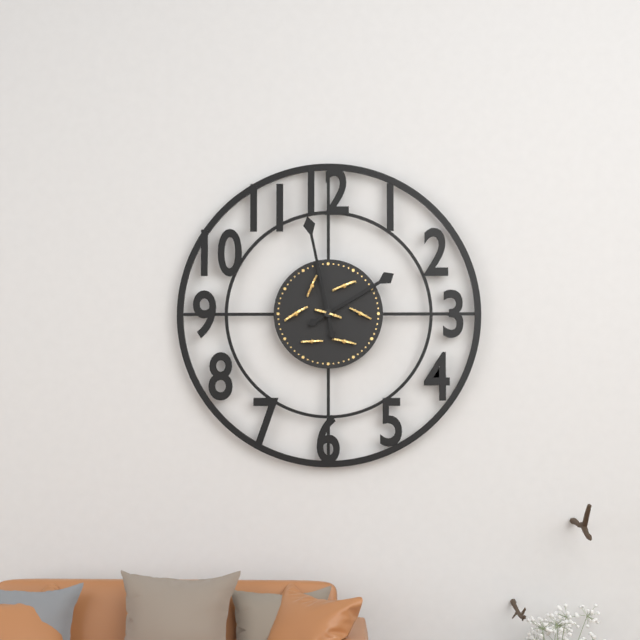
{"hour": 1, "minute": 58}
